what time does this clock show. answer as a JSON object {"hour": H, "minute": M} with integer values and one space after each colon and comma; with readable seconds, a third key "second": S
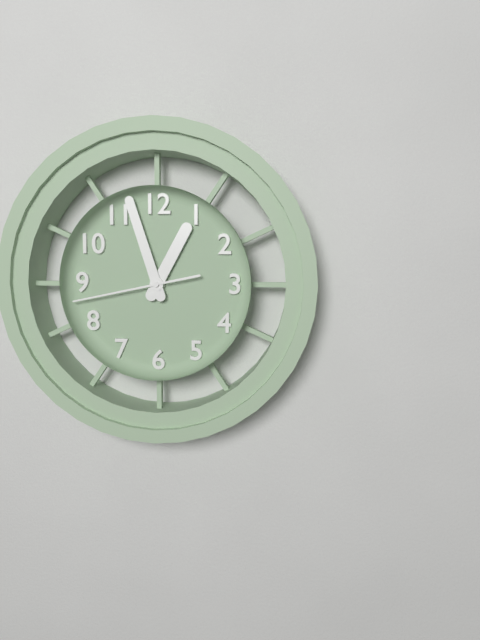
{"hour": 12, "minute": 57, "second": 43}
